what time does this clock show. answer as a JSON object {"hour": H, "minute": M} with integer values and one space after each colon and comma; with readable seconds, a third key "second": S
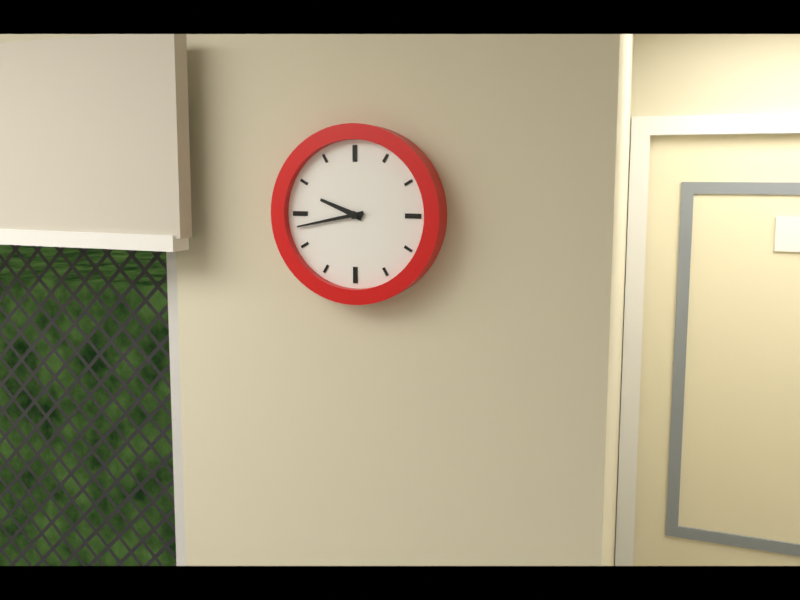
{"hour": 9, "minute": 43}
